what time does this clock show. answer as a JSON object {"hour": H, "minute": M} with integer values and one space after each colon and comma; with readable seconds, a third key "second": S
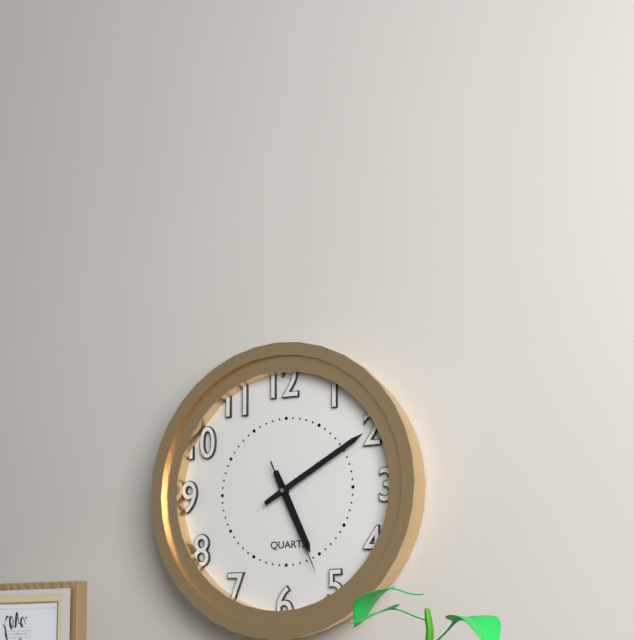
{"hour": 5, "minute": 10, "second": 26}
